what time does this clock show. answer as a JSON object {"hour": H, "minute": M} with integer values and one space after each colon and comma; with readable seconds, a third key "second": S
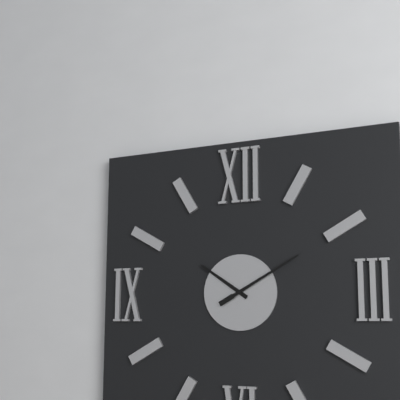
{"hour": 10, "minute": 10}
